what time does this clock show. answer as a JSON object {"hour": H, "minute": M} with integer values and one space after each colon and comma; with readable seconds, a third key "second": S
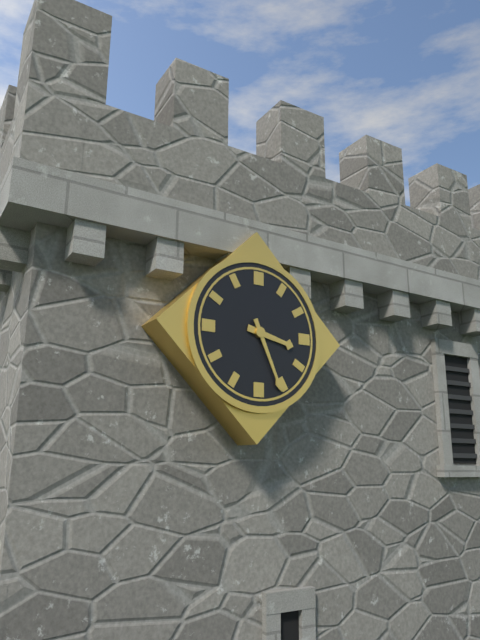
{"hour": 3, "minute": 26}
